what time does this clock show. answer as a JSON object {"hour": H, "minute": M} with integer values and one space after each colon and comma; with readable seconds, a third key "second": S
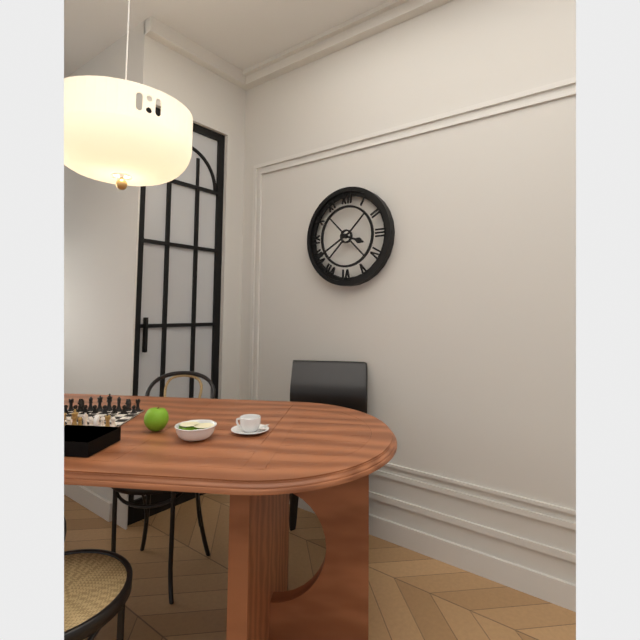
{"hour": 3, "minute": 40}
